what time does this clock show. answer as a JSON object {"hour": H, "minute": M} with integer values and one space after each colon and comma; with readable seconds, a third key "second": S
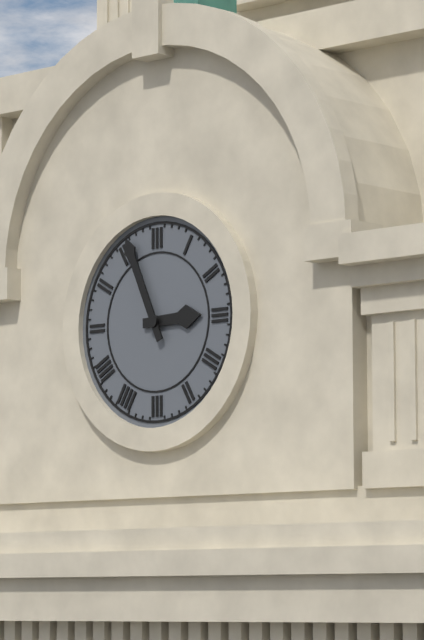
{"hour": 2, "minute": 56}
